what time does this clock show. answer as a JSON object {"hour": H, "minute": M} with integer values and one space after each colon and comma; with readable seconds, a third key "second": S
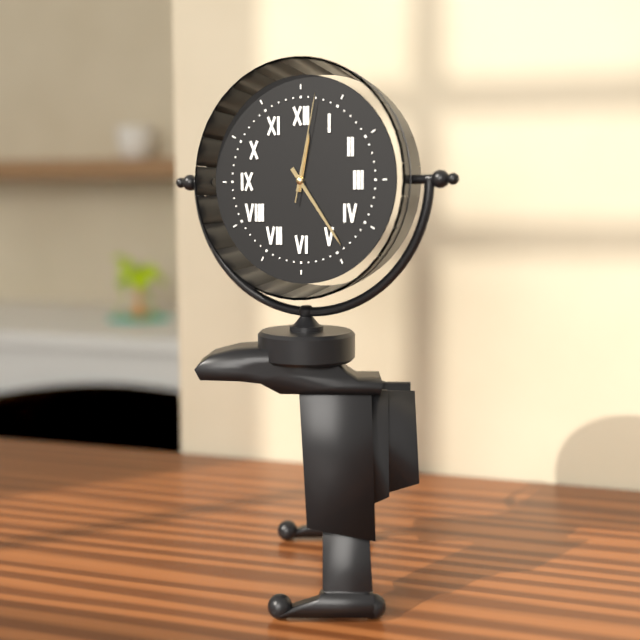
{"hour": 12, "minute": 24, "second": 2}
